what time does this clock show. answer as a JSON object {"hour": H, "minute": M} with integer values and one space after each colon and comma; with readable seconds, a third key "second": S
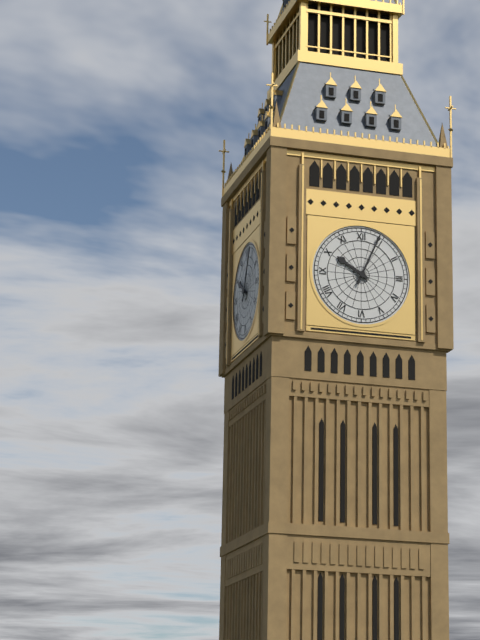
{"hour": 10, "minute": 4}
